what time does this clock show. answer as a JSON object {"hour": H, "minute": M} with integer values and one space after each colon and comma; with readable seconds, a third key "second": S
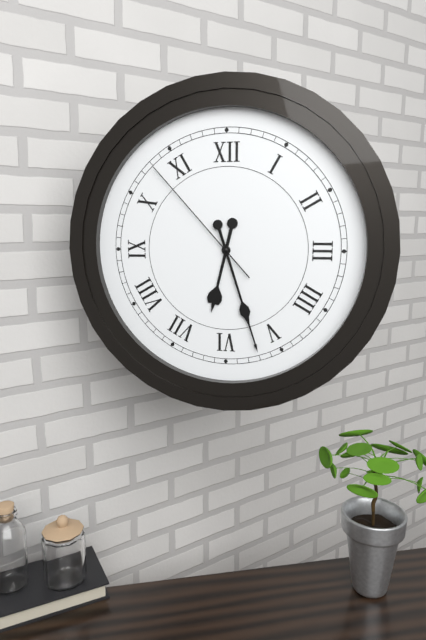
{"hour": 6, "minute": 27, "second": 53}
